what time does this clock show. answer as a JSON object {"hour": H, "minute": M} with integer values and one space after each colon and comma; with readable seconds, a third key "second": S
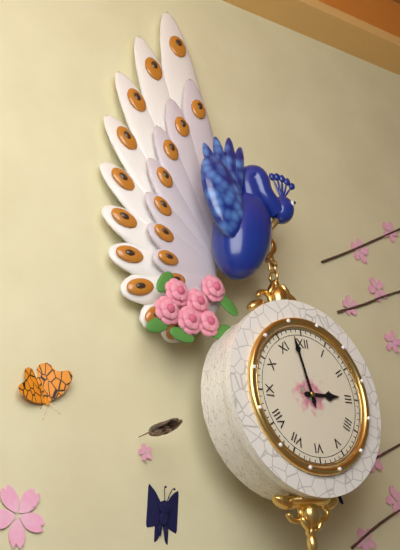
{"hour": 2, "minute": 58}
